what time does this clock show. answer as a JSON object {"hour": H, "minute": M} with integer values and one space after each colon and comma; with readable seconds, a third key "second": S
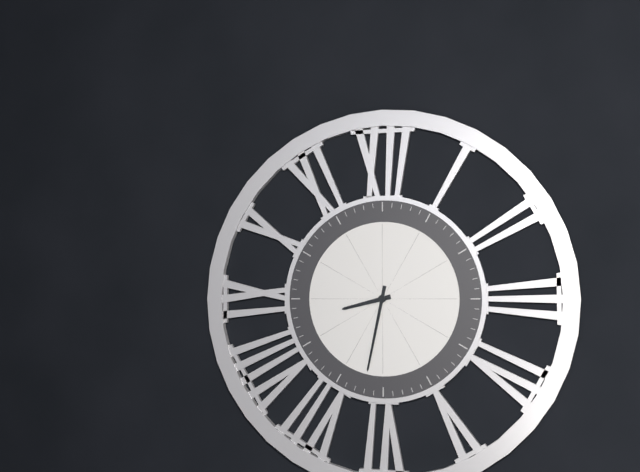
{"hour": 8, "minute": 32}
